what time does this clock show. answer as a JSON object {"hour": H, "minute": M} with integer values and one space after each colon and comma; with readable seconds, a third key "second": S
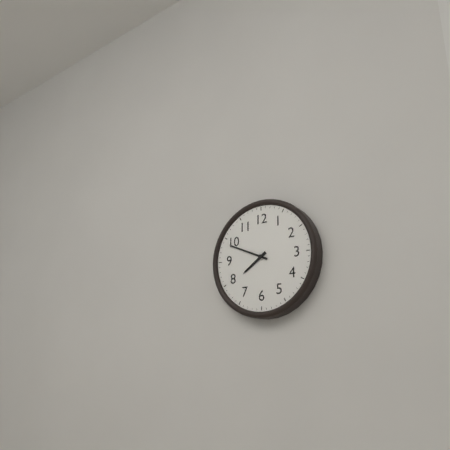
{"hour": 7, "minute": 49}
